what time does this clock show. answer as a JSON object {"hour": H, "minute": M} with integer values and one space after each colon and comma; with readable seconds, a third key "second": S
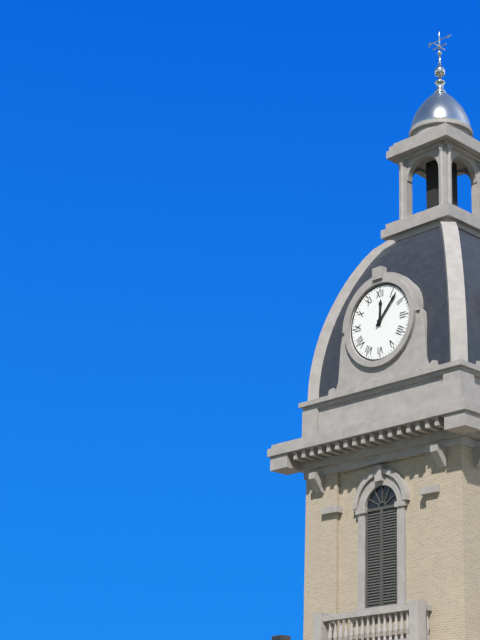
{"hour": 12, "minute": 7}
